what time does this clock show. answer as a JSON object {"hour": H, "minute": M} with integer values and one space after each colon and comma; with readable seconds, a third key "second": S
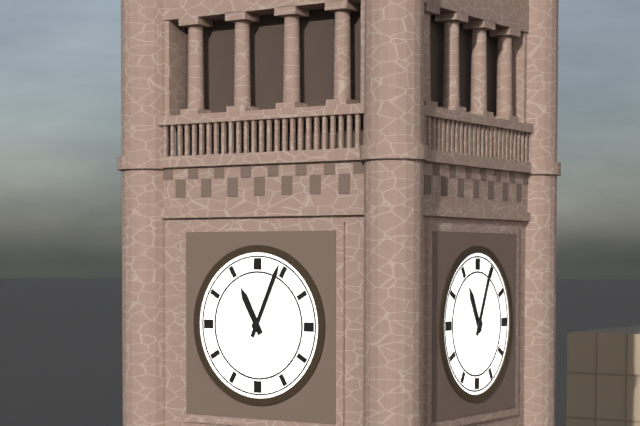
{"hour": 11, "minute": 4}
